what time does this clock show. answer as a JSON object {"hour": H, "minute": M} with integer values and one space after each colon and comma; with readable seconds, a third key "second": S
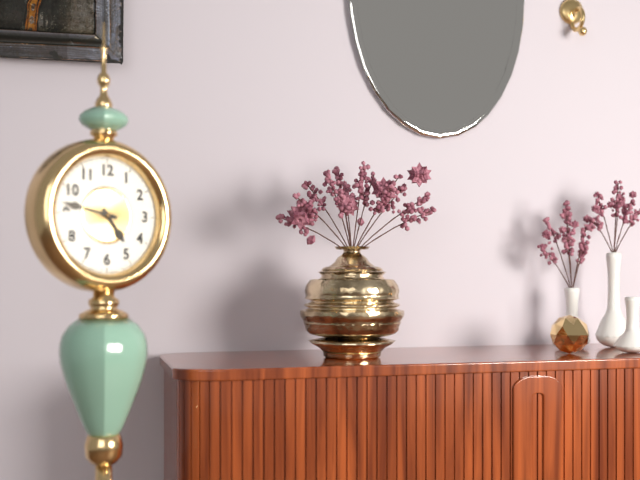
{"hour": 4, "minute": 47}
